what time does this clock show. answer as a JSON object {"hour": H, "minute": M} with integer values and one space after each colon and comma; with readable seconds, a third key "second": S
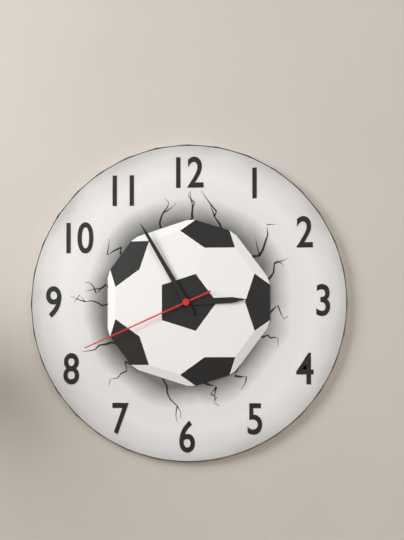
{"hour": 2, "minute": 55, "second": 41}
